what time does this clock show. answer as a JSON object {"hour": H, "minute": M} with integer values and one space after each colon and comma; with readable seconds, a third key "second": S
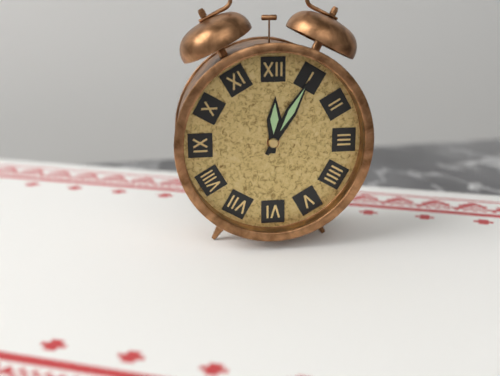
{"hour": 12, "minute": 5}
